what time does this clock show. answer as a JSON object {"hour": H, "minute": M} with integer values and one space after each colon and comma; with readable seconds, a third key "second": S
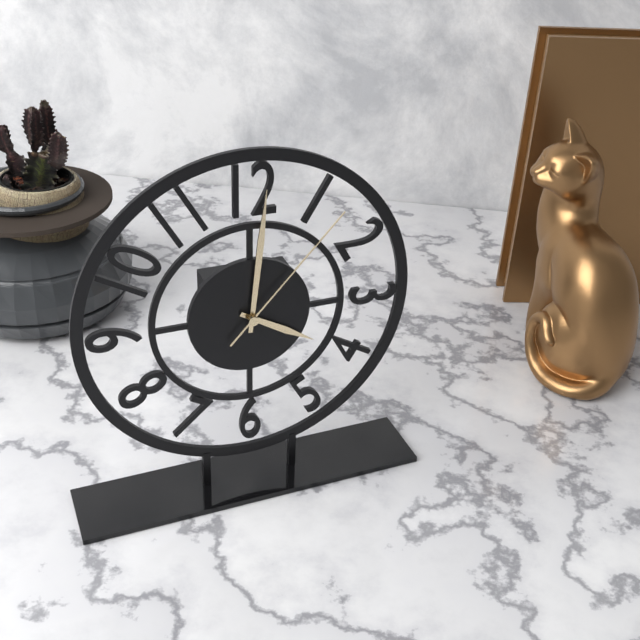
{"hour": 4, "minute": 1, "second": 7}
